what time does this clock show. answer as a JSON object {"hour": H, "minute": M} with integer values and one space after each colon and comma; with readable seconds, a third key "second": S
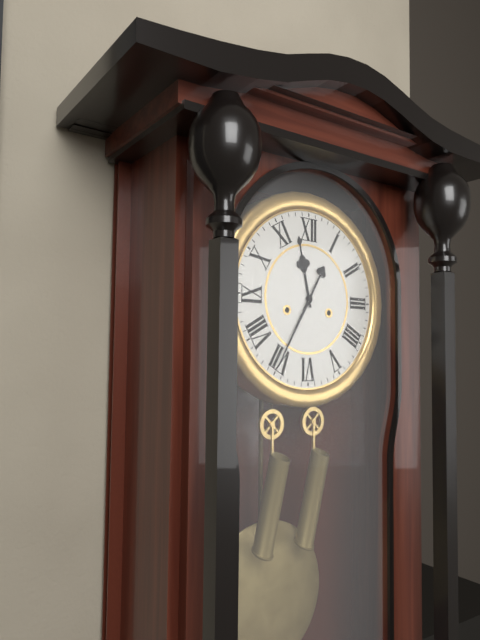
{"hour": 11, "minute": 35}
